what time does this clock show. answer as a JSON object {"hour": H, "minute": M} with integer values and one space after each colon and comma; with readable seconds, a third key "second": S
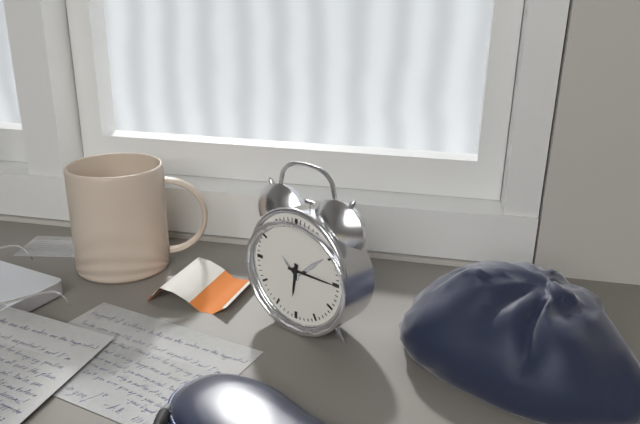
{"hour": 6, "minute": 15}
